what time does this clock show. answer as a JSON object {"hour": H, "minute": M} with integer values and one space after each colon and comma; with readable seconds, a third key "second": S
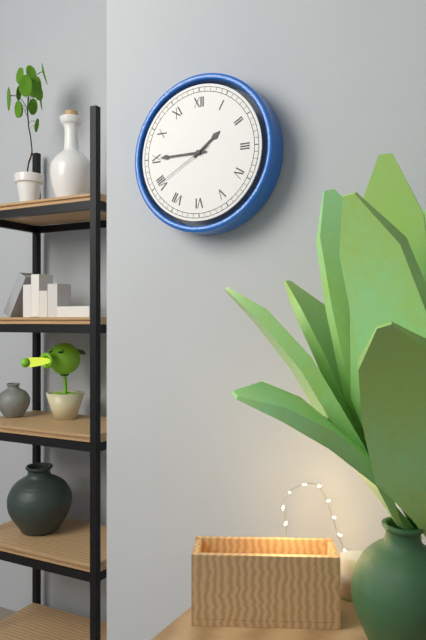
{"hour": 1, "minute": 45, "second": 40}
